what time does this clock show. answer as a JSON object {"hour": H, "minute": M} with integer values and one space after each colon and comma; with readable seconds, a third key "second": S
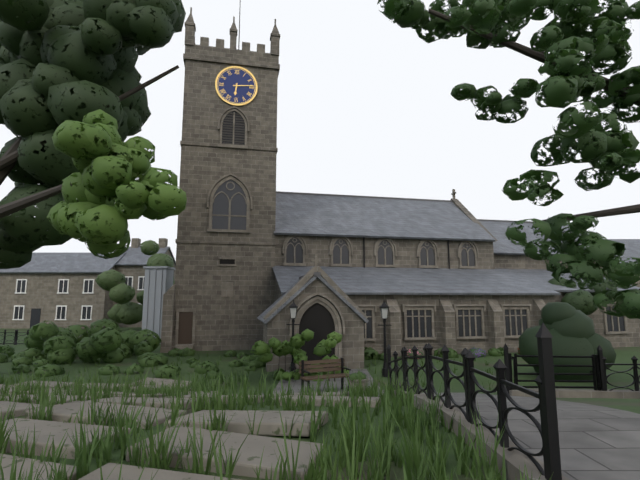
{"hour": 6, "minute": 14}
